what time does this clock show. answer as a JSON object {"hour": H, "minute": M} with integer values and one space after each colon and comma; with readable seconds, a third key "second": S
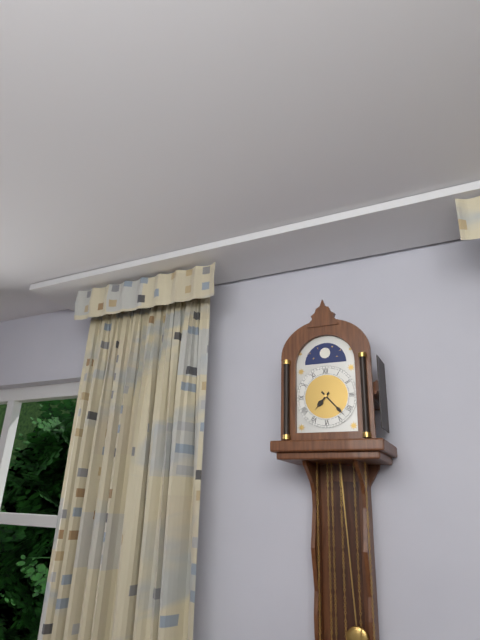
{"hour": 7, "minute": 23}
